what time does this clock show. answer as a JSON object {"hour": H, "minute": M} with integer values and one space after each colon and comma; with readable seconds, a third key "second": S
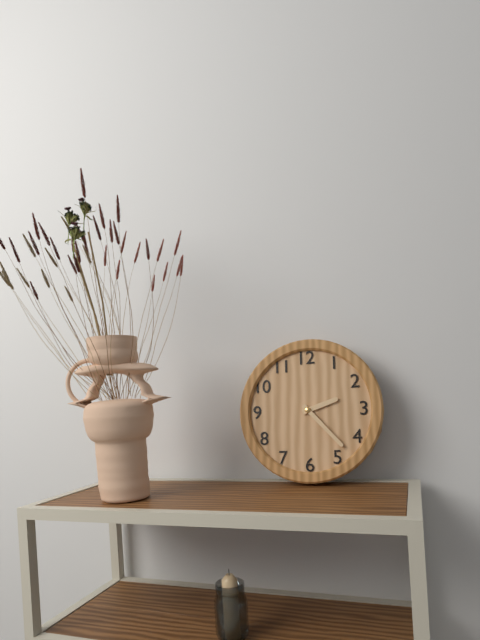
{"hour": 2, "minute": 23}
